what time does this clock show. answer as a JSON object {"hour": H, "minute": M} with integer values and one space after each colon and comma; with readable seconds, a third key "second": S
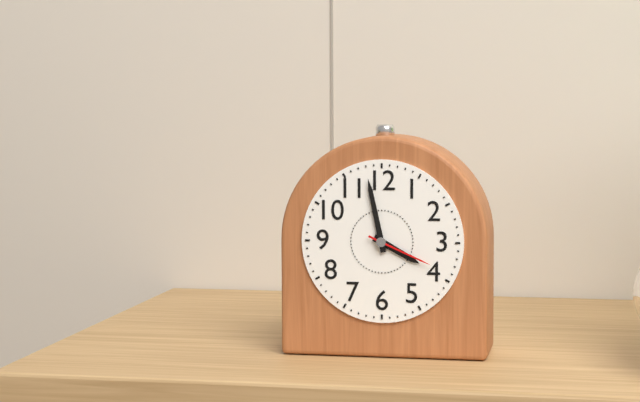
{"hour": 3, "minute": 58, "second": 19}
